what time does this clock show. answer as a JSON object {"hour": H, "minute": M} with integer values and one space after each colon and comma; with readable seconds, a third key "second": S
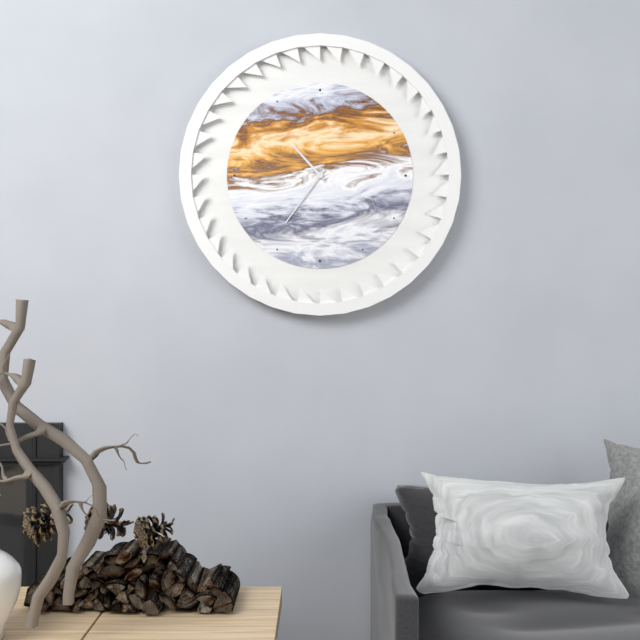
{"hour": 10, "minute": 36}
